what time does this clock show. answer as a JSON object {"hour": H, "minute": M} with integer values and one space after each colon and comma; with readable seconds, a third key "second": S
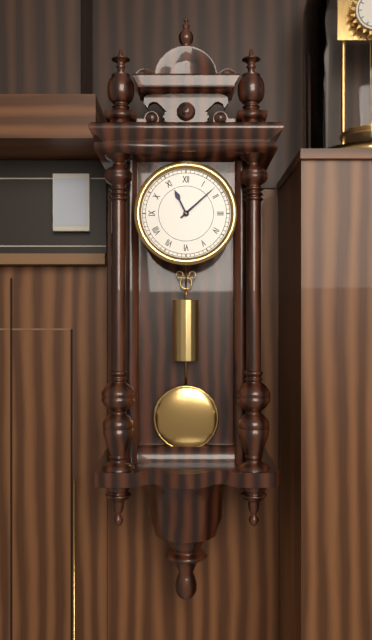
{"hour": 11, "minute": 8}
